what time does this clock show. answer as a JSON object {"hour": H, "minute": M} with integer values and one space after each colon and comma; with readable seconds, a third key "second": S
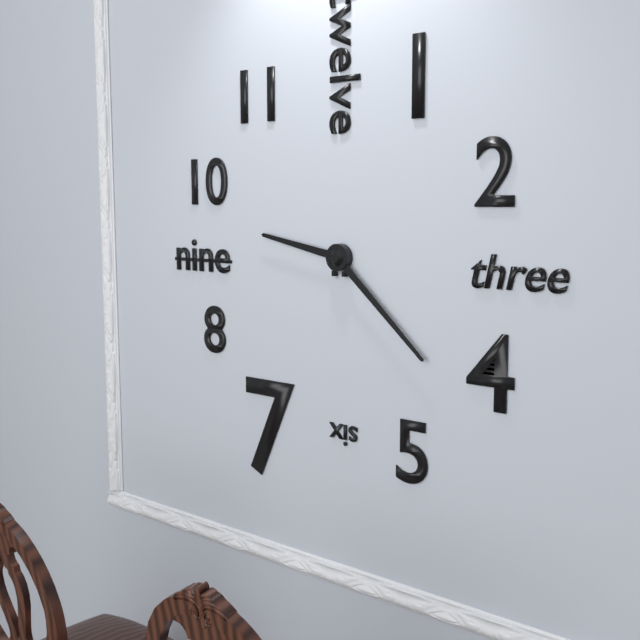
{"hour": 9, "minute": 22}
